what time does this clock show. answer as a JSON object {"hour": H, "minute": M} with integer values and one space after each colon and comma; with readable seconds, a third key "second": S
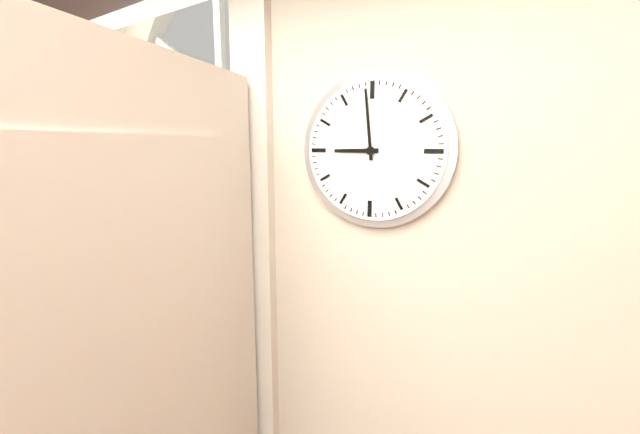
{"hour": 8, "minute": 59}
